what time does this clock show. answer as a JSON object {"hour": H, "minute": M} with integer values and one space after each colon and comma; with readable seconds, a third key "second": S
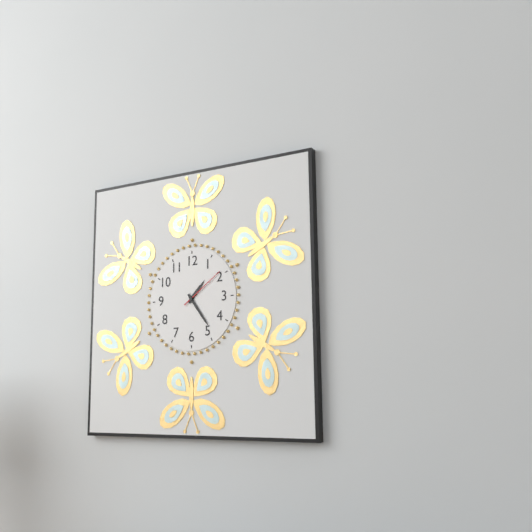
{"hour": 1, "minute": 24}
